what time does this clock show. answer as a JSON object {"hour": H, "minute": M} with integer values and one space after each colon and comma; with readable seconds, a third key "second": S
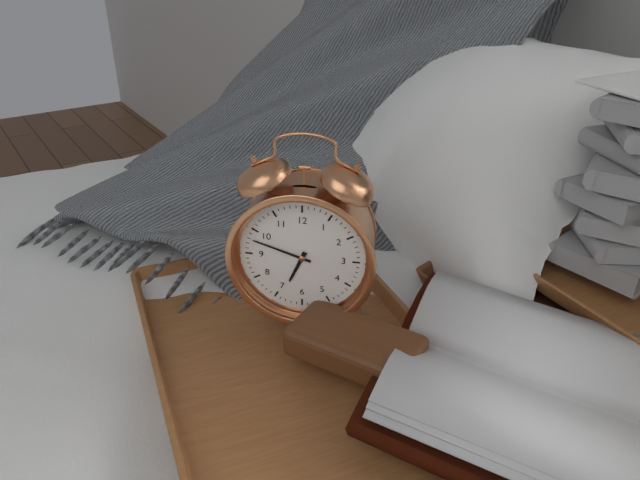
{"hour": 6, "minute": 48}
